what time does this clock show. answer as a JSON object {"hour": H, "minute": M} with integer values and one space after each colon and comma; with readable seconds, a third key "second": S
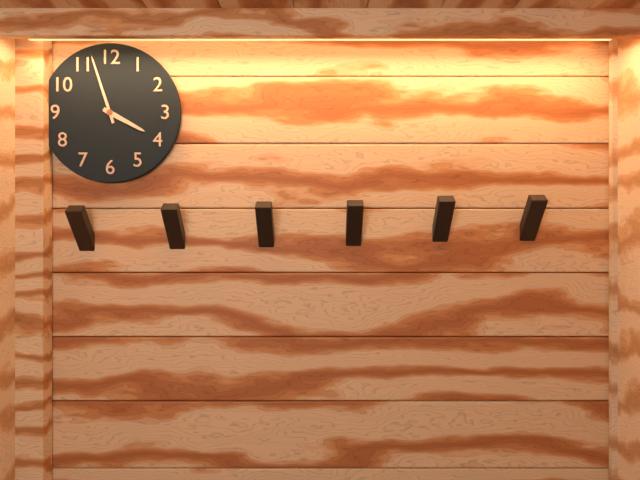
{"hour": 3, "minute": 57}
